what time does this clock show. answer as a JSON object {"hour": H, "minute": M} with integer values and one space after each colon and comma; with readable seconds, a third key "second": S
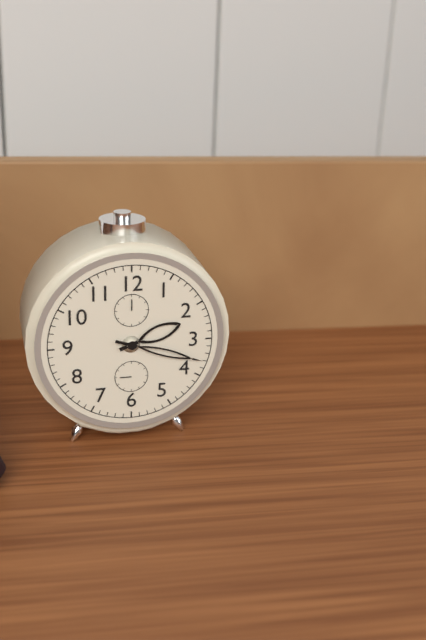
{"hour": 2, "minute": 18}
